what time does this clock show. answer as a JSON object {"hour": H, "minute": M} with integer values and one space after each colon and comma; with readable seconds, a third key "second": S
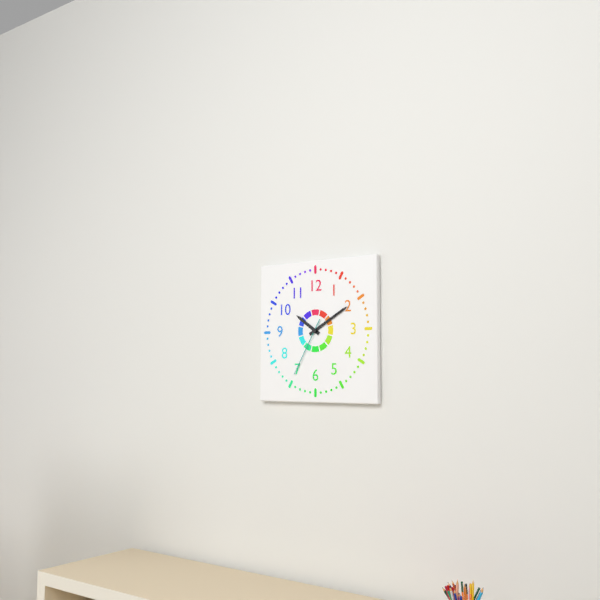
{"hour": 10, "minute": 10, "second": 35}
